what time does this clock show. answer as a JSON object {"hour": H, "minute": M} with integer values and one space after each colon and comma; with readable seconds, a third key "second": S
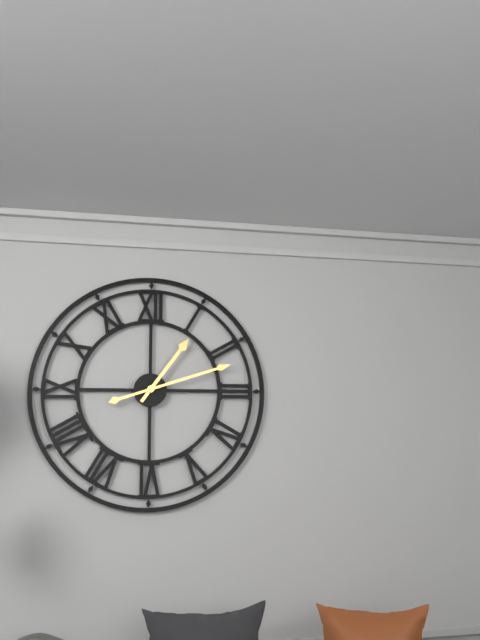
{"hour": 1, "minute": 12}
